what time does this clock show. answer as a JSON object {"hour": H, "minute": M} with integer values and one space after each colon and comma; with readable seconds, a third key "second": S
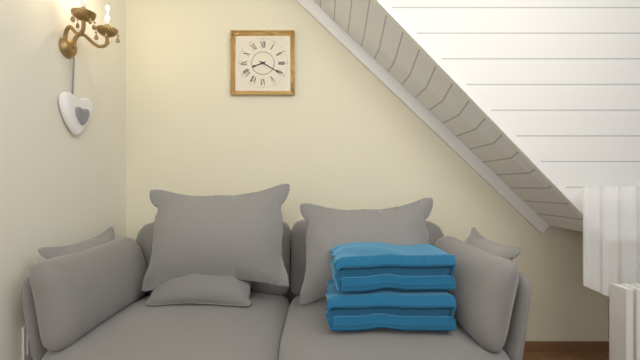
{"hour": 8, "minute": 20}
